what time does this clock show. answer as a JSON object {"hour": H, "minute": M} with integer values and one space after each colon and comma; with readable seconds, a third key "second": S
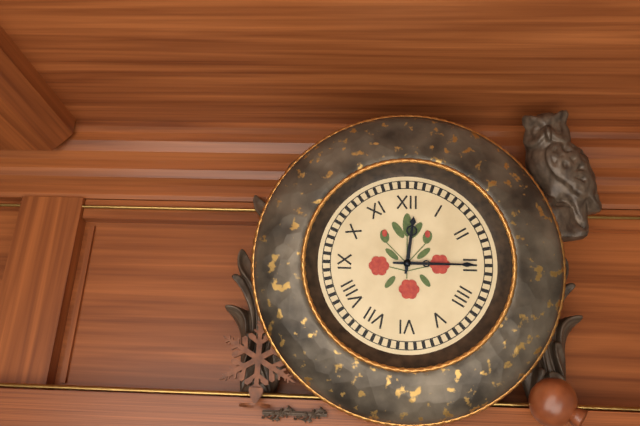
{"hour": 12, "minute": 15}
